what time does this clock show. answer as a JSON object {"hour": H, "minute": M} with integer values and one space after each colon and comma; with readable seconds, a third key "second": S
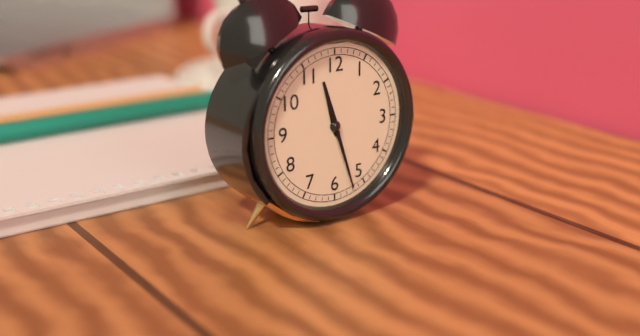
{"hour": 11, "minute": 27}
